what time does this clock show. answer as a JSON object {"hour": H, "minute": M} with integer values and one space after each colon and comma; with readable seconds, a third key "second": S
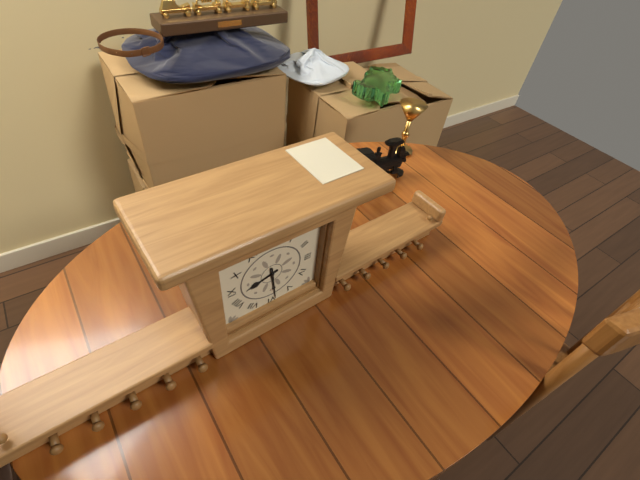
{"hour": 8, "minute": 29}
